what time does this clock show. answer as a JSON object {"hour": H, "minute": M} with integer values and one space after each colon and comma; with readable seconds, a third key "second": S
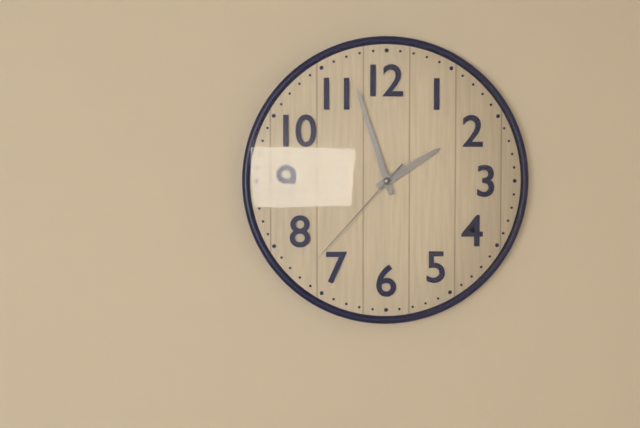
{"hour": 1, "minute": 57, "second": 37}
